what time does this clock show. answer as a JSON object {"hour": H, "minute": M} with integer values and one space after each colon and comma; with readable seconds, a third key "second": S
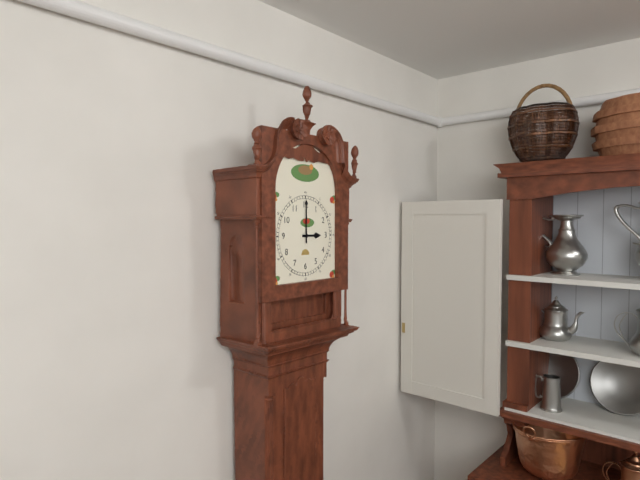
{"hour": 3, "minute": 0}
